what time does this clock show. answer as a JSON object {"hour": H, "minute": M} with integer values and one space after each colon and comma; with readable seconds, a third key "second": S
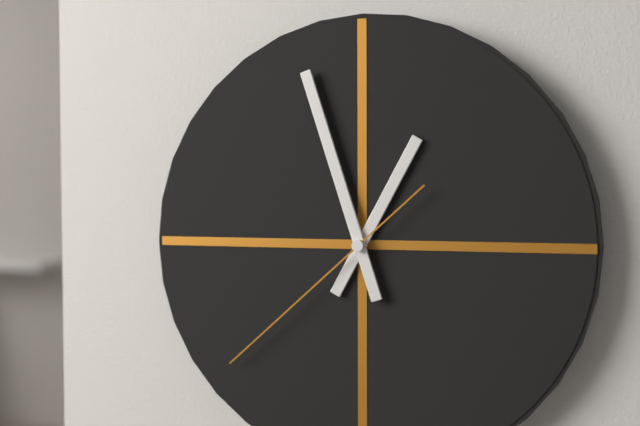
{"hour": 12, "minute": 57, "second": 38}
